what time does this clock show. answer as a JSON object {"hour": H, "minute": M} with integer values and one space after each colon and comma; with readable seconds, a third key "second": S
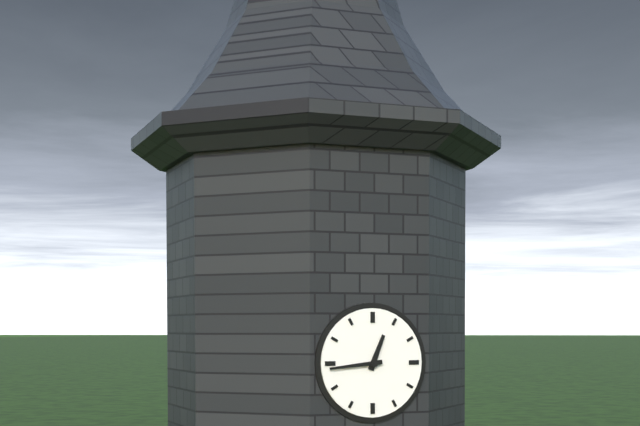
{"hour": 12, "minute": 44}
